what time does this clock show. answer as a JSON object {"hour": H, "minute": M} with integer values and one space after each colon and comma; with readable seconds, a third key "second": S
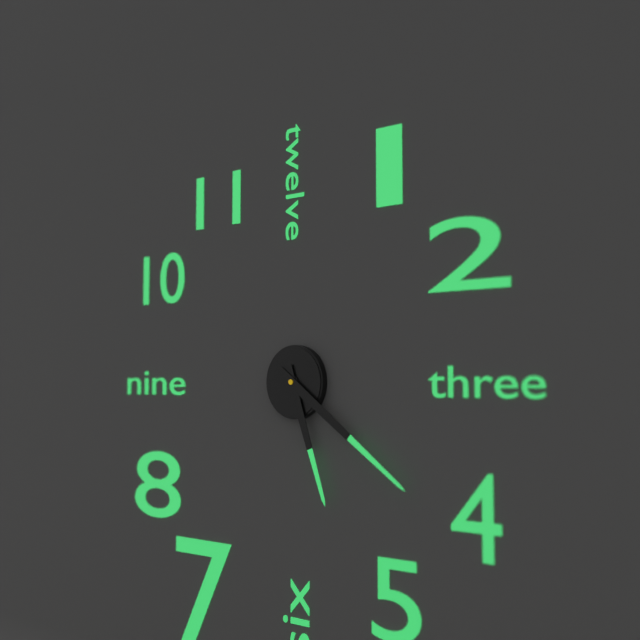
{"hour": 5, "minute": 21}
